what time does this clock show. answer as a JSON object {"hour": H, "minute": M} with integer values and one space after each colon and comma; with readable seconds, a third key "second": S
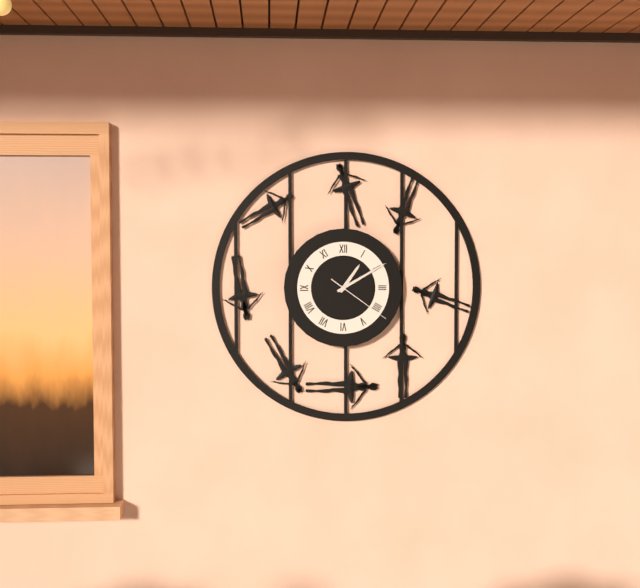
{"hour": 1, "minute": 10, "second": 21}
